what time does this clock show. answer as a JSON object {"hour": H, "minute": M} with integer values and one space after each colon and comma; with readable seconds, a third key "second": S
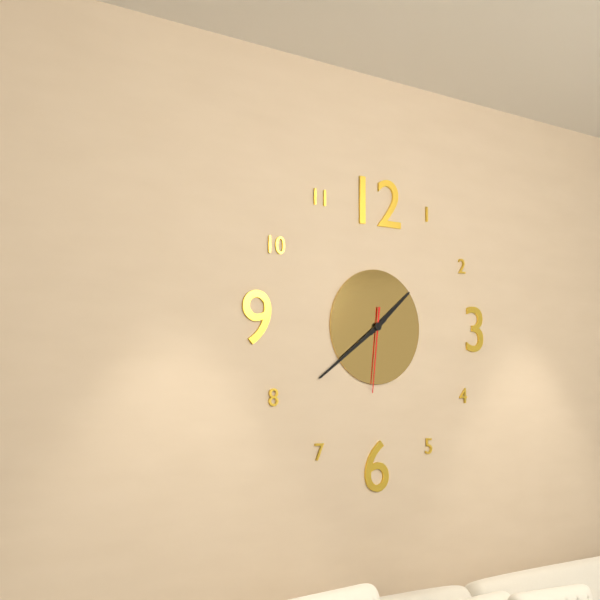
{"hour": 1, "minute": 39, "second": 31}
